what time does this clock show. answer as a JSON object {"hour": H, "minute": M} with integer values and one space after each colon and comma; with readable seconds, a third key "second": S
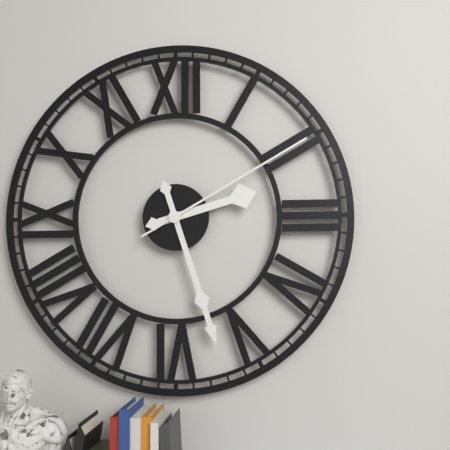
{"hour": 2, "minute": 27, "second": 10}
